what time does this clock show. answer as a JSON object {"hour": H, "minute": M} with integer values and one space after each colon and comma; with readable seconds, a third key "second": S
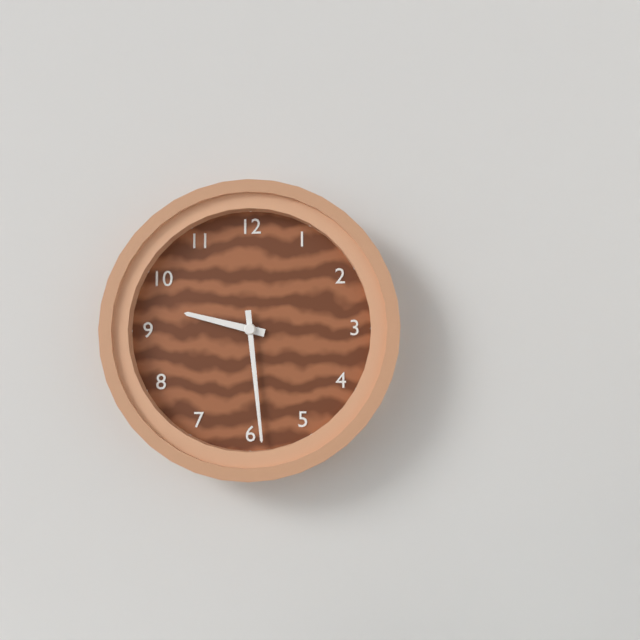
{"hour": 9, "minute": 29}
